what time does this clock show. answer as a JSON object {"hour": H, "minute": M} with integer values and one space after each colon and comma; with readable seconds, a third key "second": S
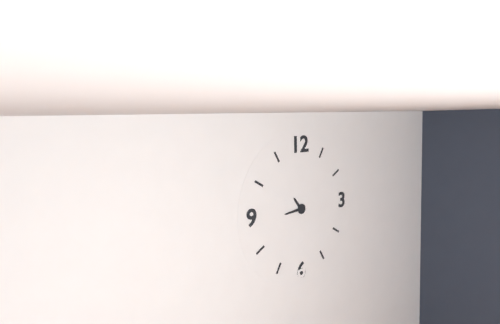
{"hour": 10, "minute": 44}
